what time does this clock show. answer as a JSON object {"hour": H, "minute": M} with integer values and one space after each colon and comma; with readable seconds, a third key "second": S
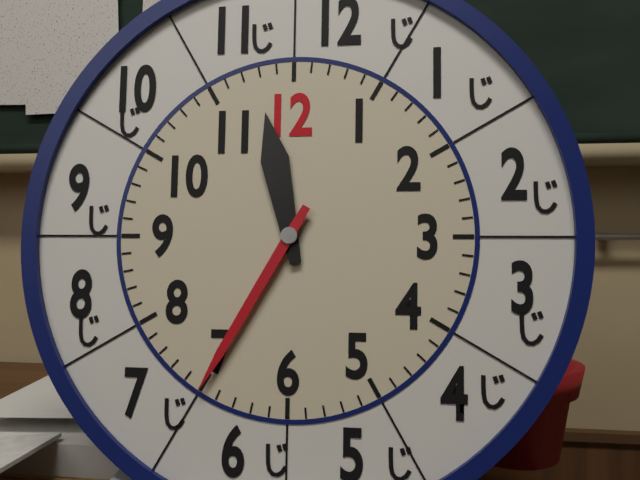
{"hour": 11, "minute": 35}
